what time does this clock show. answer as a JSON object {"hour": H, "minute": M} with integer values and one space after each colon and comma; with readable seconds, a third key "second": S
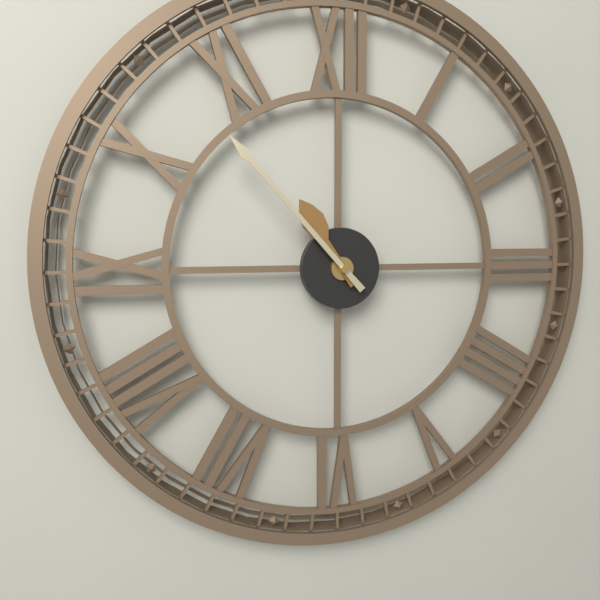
{"hour": 10, "minute": 53}
